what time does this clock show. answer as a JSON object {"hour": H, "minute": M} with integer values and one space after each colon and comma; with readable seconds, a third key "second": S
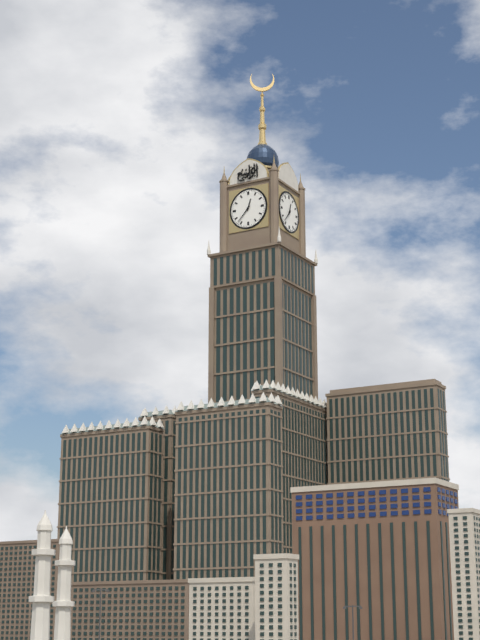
{"hour": 12, "minute": 37}
